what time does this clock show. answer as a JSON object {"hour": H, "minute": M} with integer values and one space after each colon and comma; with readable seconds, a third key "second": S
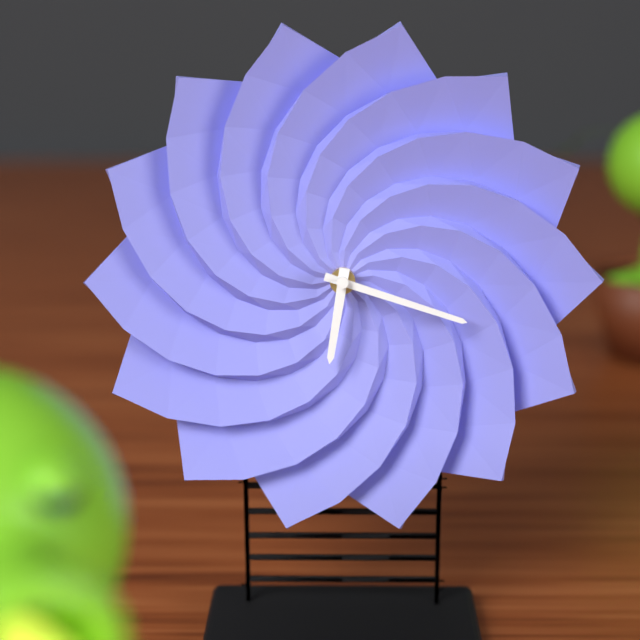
{"hour": 6, "minute": 18}
